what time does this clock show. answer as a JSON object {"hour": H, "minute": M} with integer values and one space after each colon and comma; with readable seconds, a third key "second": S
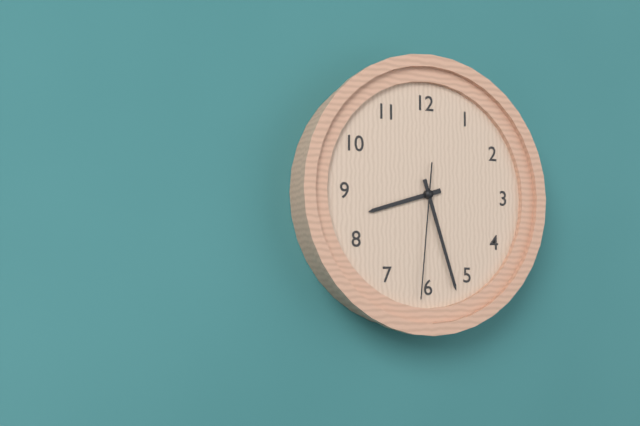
{"hour": 8, "minute": 27, "second": 31}
